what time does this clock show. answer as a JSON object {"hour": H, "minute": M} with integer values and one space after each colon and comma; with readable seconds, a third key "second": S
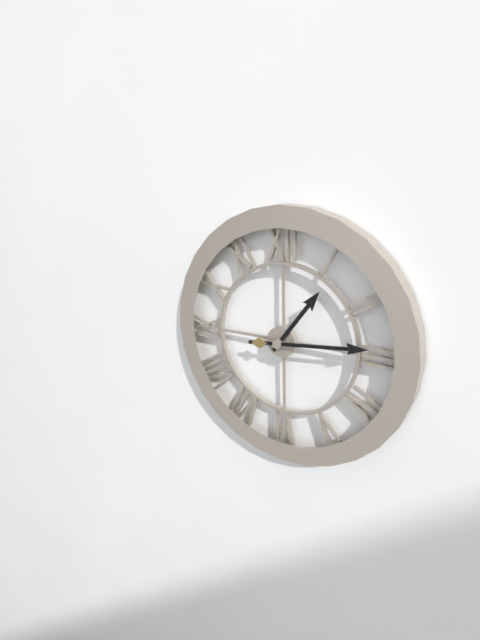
{"hour": 1, "minute": 14}
